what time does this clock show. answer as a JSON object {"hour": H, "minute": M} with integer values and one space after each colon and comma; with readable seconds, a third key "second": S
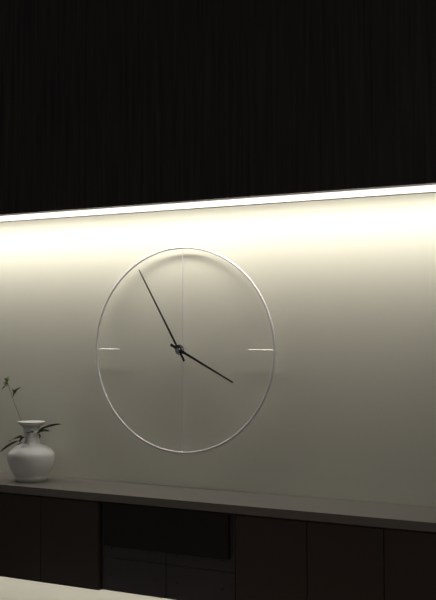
{"hour": 3, "minute": 55}
